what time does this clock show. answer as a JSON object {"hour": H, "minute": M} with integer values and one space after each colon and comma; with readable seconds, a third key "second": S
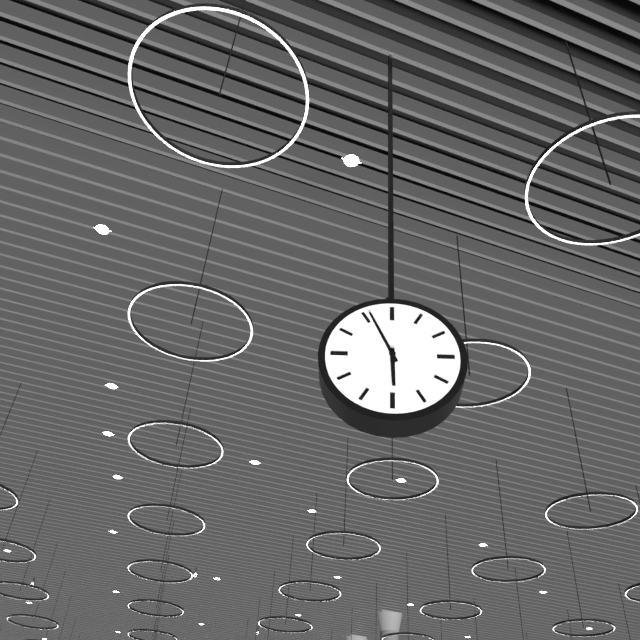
{"hour": 5, "minute": 56}
